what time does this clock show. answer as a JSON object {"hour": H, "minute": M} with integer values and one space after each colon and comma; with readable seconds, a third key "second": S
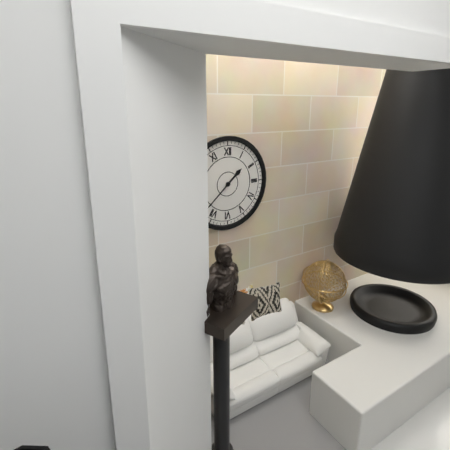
{"hour": 1, "minute": 38}
